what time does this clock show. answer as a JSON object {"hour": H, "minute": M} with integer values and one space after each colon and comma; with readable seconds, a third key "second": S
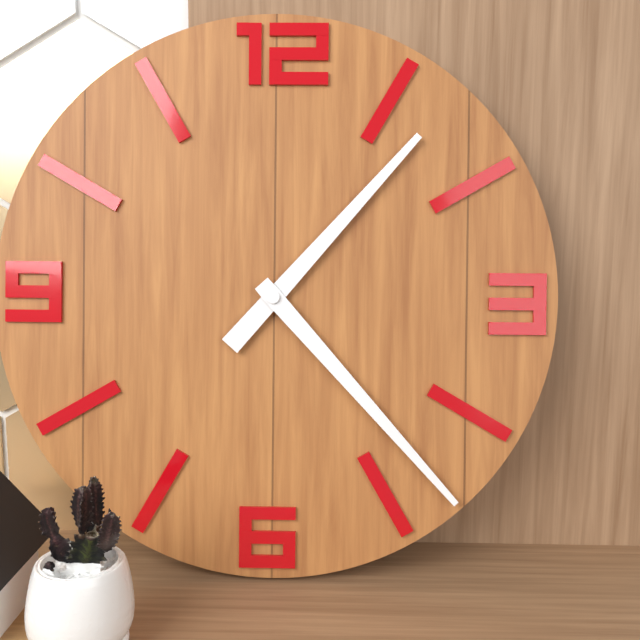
{"hour": 1, "minute": 23}
